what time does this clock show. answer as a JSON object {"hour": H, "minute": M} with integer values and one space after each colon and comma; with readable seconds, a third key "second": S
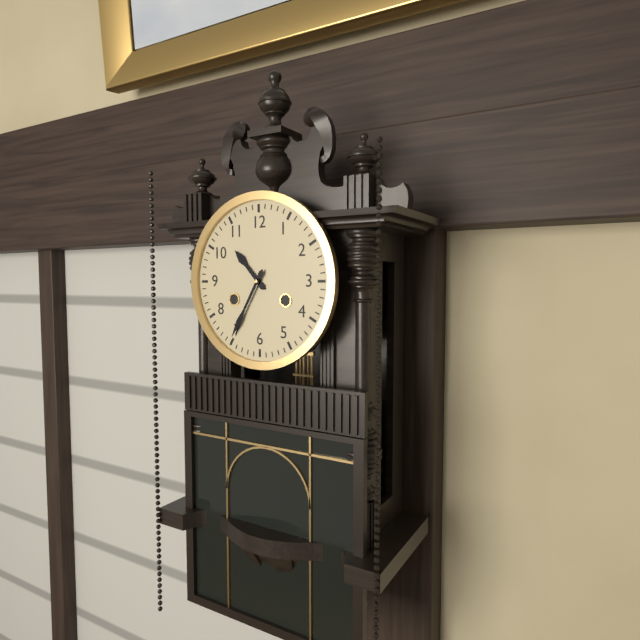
{"hour": 10, "minute": 35}
